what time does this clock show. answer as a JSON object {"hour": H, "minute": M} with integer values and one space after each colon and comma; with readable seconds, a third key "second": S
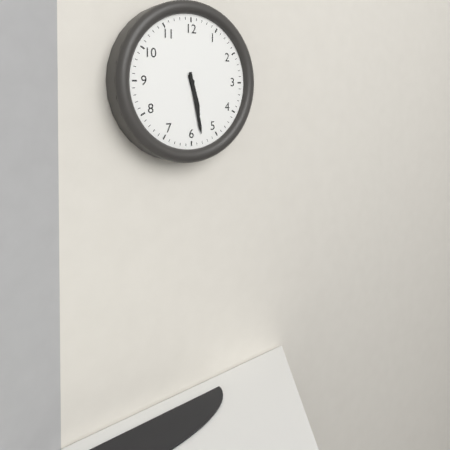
{"hour": 5, "minute": 28}
